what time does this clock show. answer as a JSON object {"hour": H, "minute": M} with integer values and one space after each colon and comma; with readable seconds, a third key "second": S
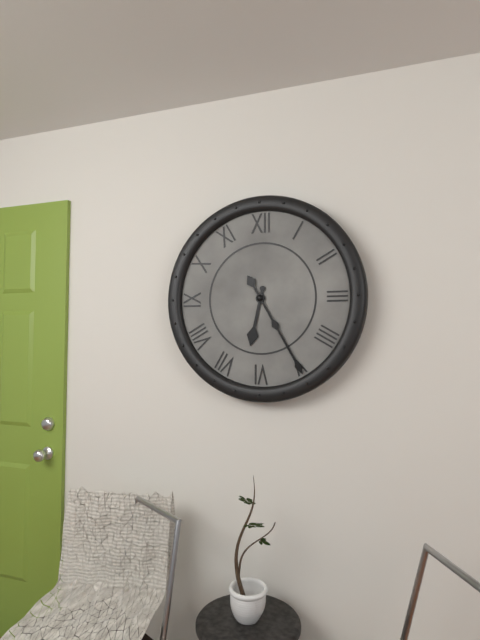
{"hour": 6, "minute": 25}
